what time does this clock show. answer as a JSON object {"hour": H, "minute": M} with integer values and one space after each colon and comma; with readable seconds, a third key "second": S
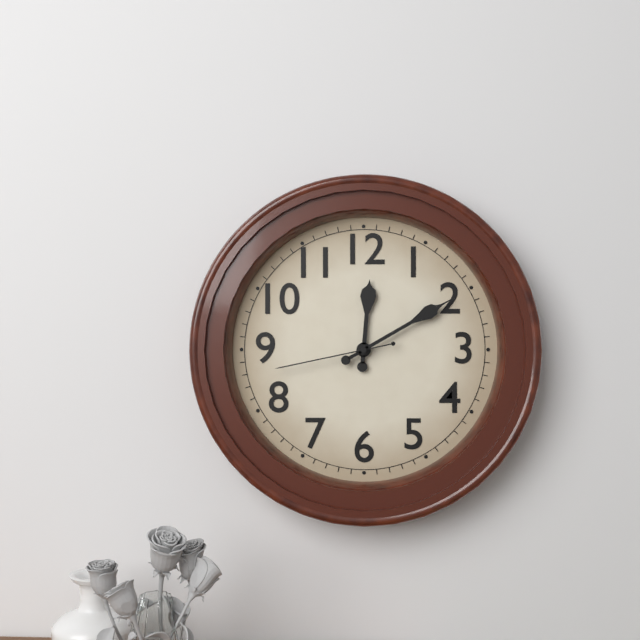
{"hour": 12, "minute": 10, "second": 43}
